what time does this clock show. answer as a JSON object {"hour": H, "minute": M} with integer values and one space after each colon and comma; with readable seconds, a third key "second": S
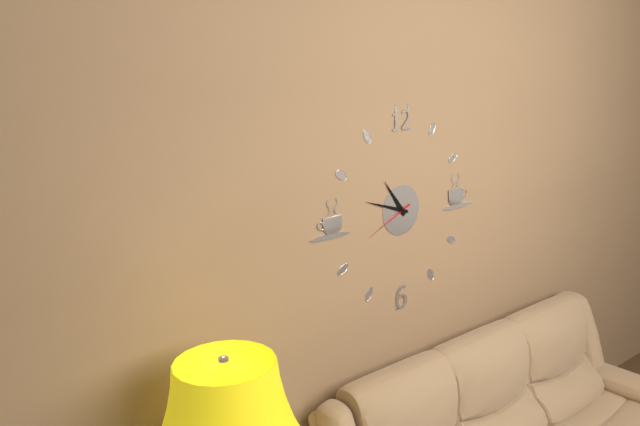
{"hour": 10, "minute": 48, "second": 41}
